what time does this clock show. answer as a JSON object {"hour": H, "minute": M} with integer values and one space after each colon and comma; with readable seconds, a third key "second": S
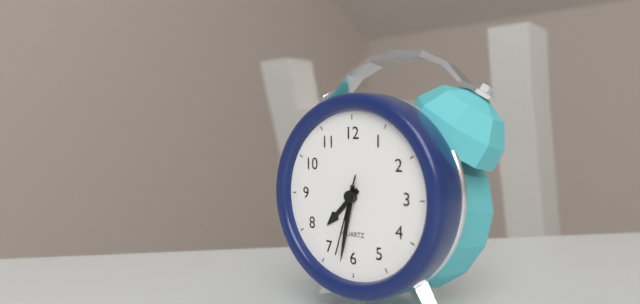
{"hour": 7, "minute": 32, "second": 33}
